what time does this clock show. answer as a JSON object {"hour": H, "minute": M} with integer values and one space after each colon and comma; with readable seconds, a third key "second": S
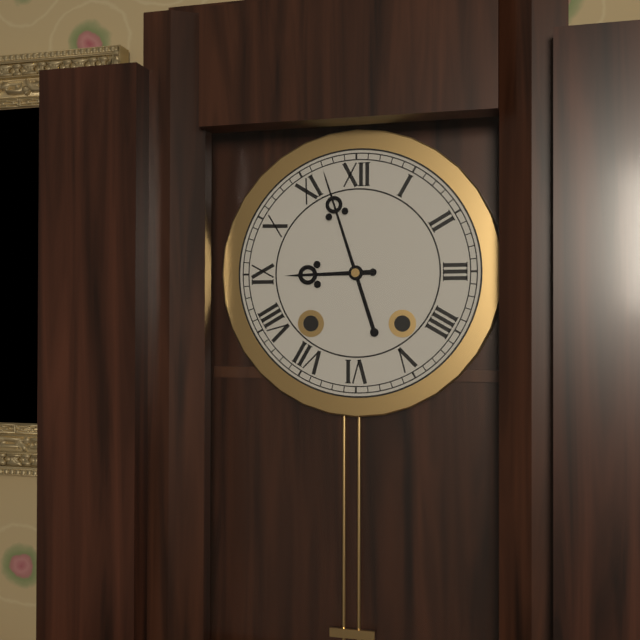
{"hour": 8, "minute": 57}
